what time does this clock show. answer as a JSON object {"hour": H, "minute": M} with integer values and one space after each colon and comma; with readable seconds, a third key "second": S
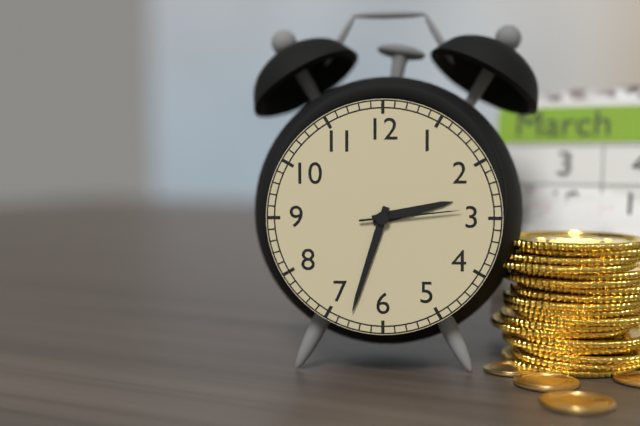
{"hour": 2, "minute": 33, "second": 14}
